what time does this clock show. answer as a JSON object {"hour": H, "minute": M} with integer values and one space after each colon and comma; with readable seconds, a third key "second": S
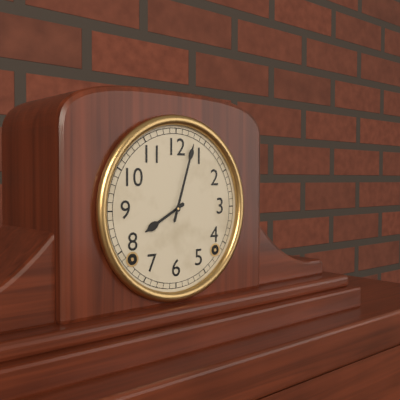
{"hour": 8, "minute": 3}
